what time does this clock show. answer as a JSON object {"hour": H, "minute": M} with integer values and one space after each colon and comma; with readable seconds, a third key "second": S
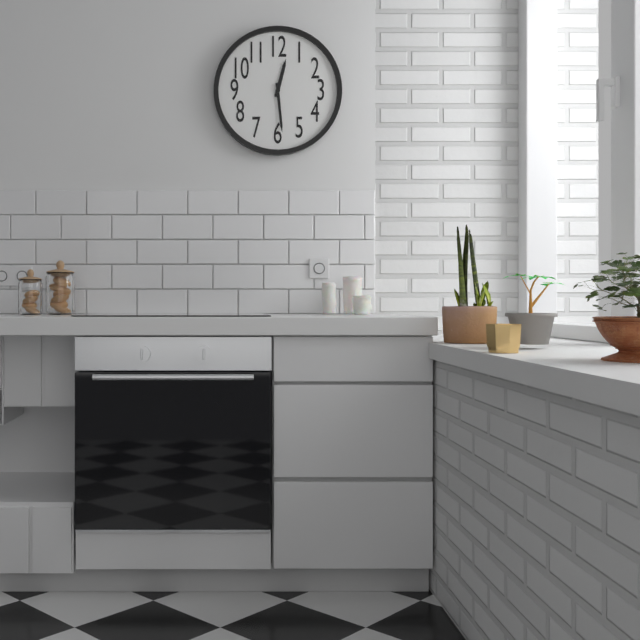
{"hour": 12, "minute": 29}
